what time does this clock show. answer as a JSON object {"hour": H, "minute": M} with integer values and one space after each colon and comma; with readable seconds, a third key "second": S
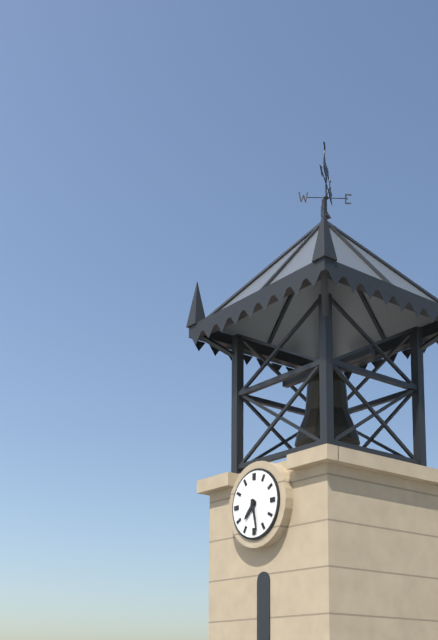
{"hour": 7, "minute": 28}
